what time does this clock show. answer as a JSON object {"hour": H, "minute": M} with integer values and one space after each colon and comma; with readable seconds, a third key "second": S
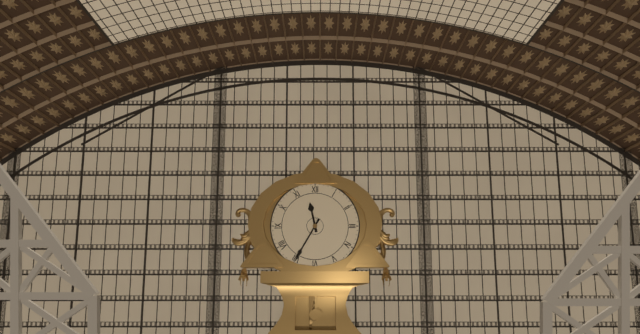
{"hour": 11, "minute": 35}
